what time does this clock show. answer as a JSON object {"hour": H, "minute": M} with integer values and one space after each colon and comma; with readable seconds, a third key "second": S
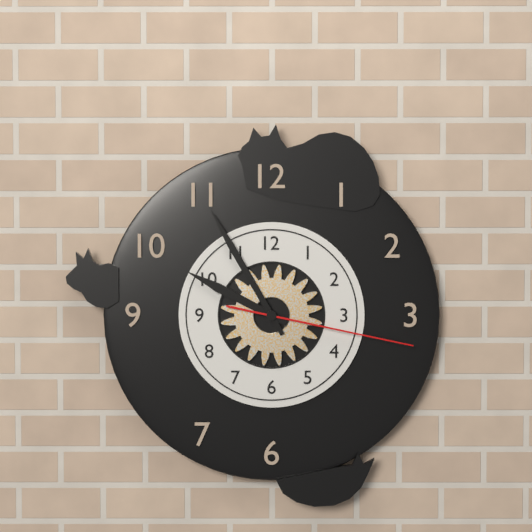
{"hour": 9, "minute": 55, "second": 17}
